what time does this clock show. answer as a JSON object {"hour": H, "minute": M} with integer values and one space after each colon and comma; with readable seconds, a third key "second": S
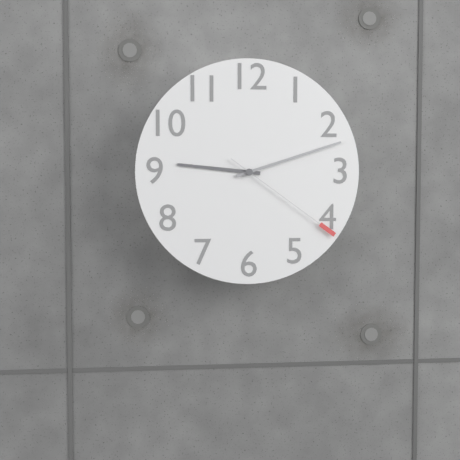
{"hour": 9, "minute": 12, "second": 21}
